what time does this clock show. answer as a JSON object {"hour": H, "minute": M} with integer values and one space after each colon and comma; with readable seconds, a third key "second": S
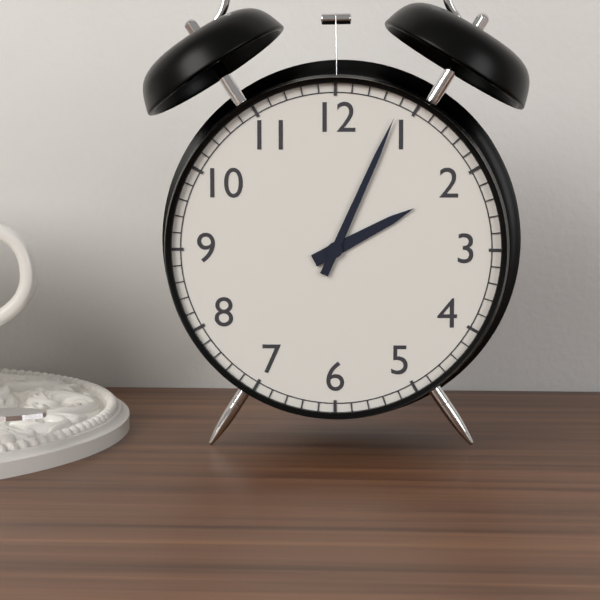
{"hour": 2, "minute": 4}
